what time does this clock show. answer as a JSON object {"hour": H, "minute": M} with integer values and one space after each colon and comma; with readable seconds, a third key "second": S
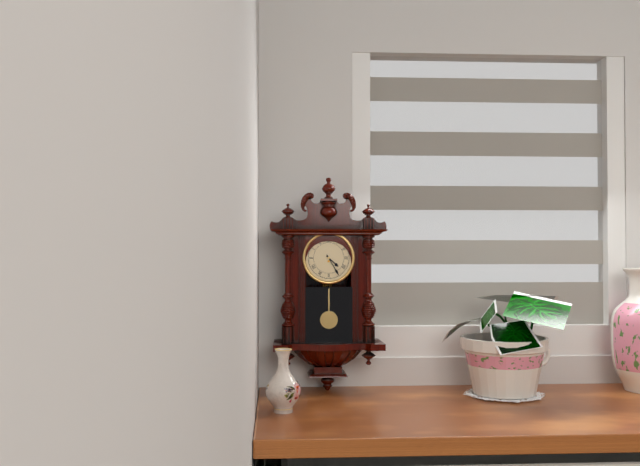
{"hour": 4, "minute": 25}
